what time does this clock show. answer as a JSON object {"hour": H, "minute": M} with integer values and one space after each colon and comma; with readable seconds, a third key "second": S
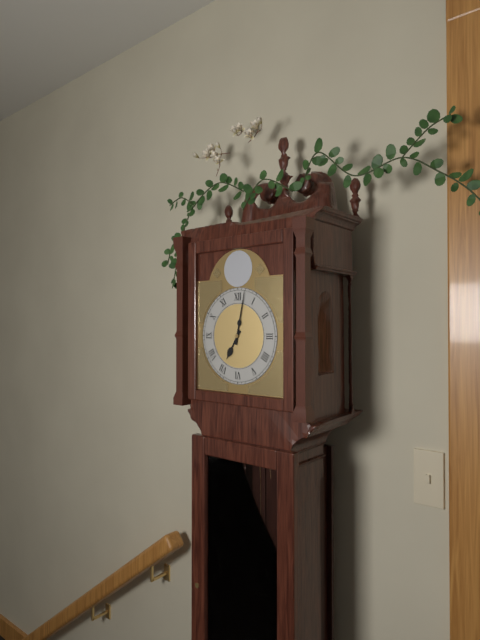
{"hour": 7, "minute": 2}
